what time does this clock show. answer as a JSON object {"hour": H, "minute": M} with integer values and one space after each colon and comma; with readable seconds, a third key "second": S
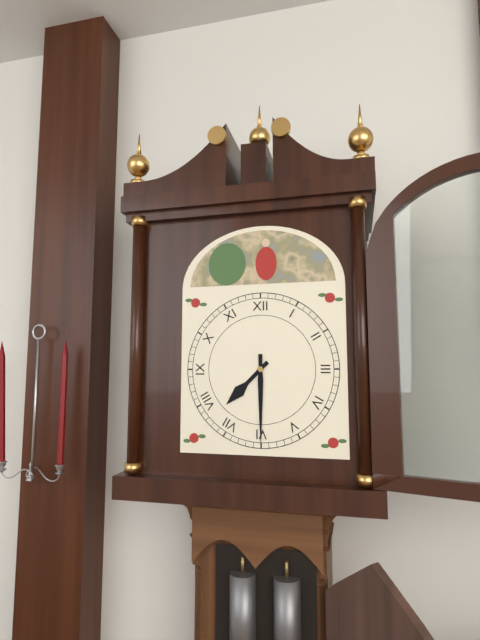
{"hour": 7, "minute": 30}
